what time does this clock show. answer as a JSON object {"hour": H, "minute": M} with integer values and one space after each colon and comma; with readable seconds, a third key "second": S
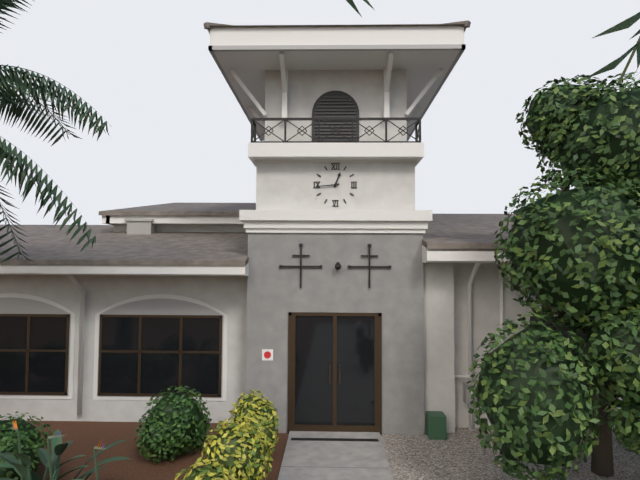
{"hour": 12, "minute": 44}
